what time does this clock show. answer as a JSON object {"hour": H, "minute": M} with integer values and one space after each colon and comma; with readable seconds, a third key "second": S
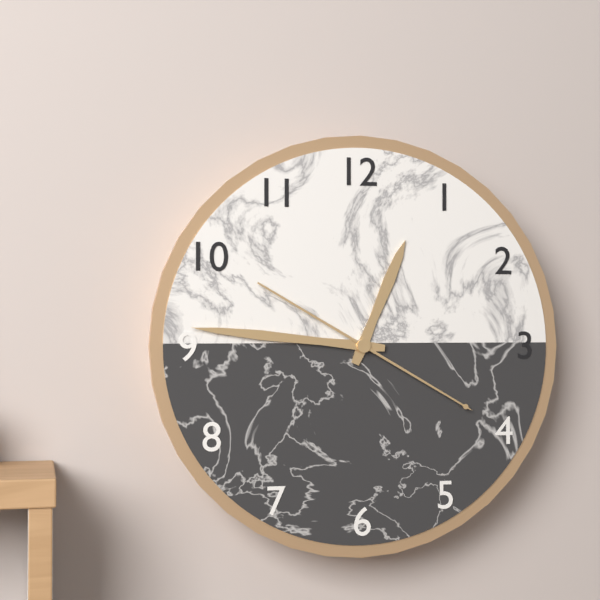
{"hour": 12, "minute": 46, "second": 20}
